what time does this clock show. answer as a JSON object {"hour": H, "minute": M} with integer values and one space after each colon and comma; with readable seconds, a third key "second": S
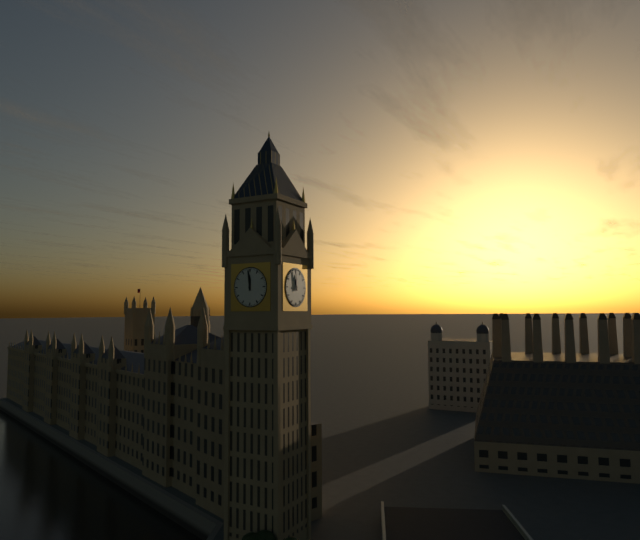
{"hour": 11, "minute": 59}
